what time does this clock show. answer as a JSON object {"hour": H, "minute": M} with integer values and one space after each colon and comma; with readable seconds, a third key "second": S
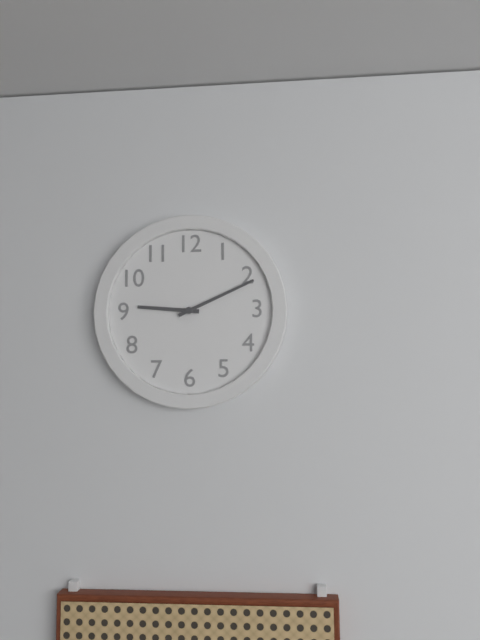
{"hour": 9, "minute": 11}
